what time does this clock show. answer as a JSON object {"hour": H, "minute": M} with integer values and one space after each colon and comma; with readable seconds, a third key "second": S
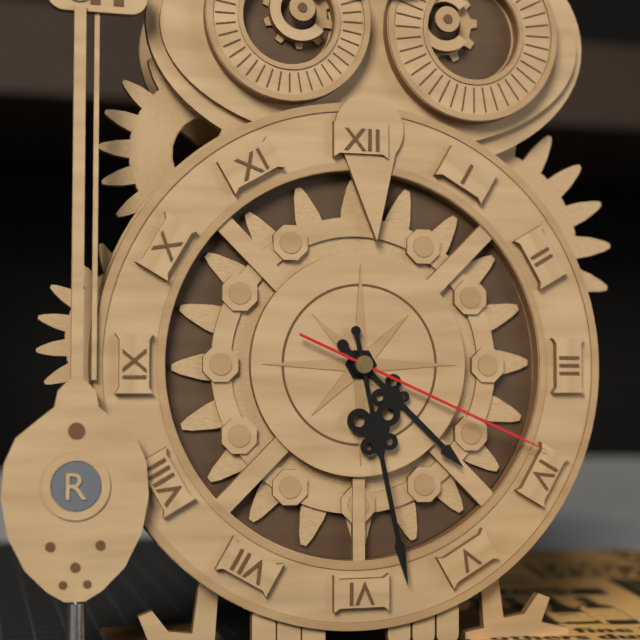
{"hour": 4, "minute": 28, "second": 19}
